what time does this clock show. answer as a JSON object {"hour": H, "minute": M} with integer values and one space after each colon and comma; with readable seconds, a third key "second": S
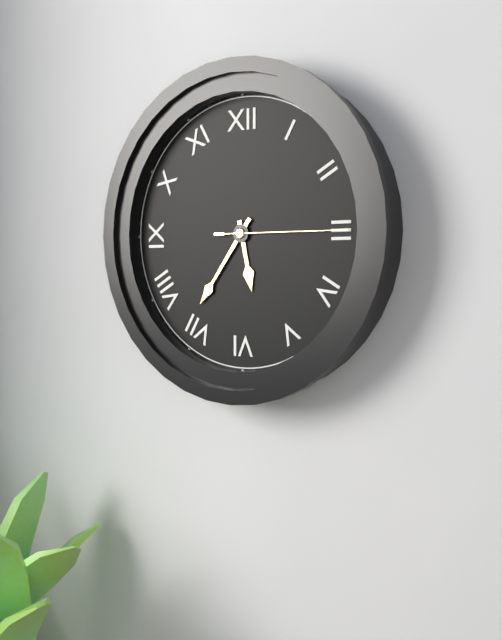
{"hour": 5, "minute": 36, "second": 15}
